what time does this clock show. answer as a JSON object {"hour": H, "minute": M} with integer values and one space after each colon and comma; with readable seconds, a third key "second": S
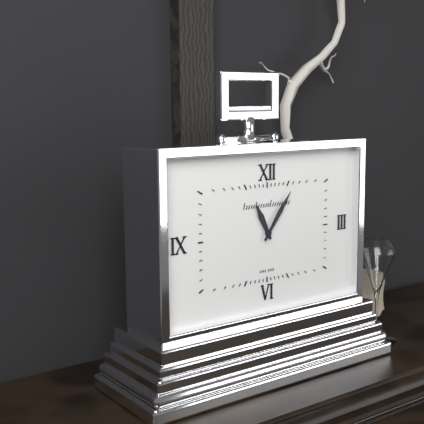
{"hour": 11, "minute": 6}
